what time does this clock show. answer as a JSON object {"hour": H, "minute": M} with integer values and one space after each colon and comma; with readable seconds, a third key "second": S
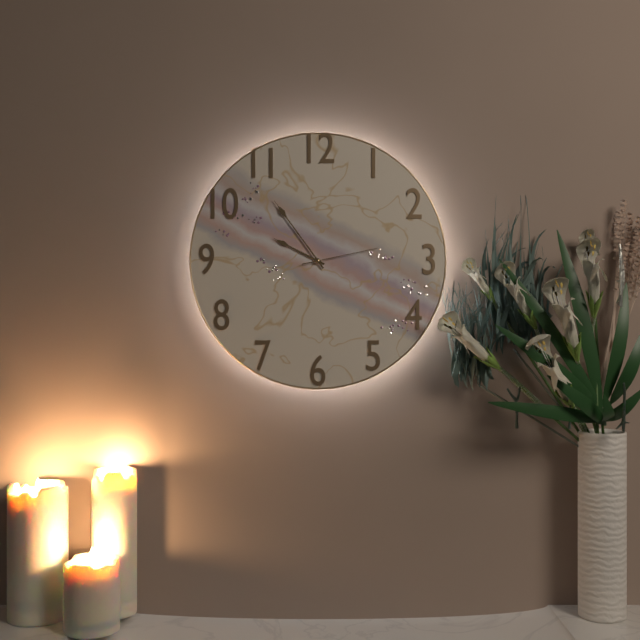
{"hour": 9, "minute": 54, "second": 13}
